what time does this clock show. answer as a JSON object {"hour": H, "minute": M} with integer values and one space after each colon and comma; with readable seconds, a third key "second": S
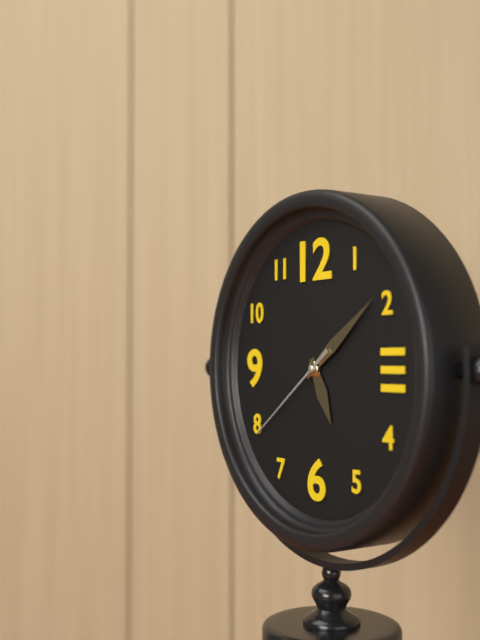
{"hour": 5, "minute": 9, "second": 39}
